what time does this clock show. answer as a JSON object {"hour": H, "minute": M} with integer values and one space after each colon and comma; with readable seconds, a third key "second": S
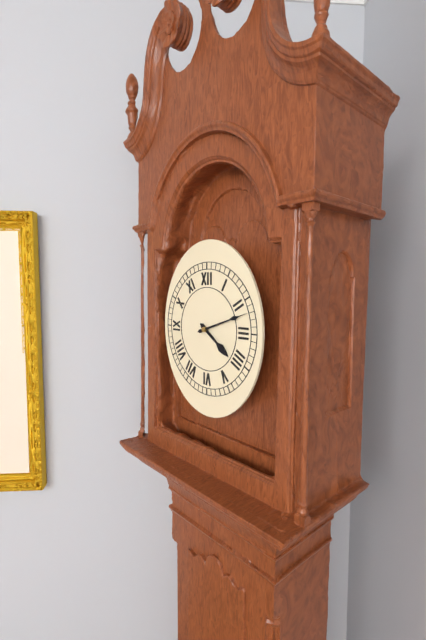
{"hour": 4, "minute": 12}
